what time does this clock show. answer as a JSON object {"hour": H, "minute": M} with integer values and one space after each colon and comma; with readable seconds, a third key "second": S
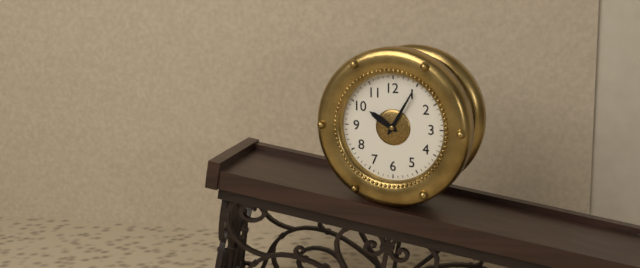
{"hour": 10, "minute": 5}
